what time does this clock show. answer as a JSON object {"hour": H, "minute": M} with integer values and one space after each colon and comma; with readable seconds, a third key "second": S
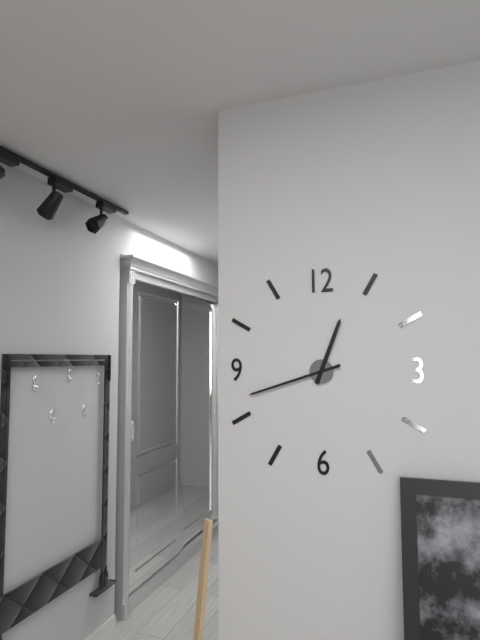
{"hour": 12, "minute": 42}
